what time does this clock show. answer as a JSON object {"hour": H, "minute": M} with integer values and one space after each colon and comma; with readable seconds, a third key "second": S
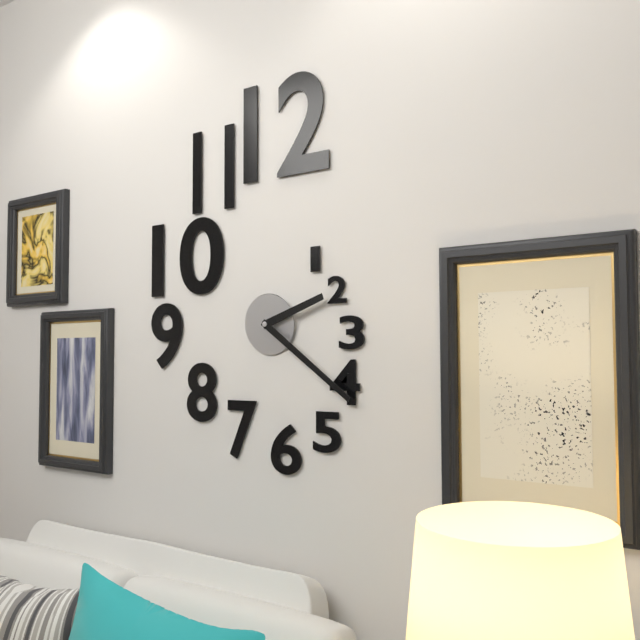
{"hour": 2, "minute": 21}
